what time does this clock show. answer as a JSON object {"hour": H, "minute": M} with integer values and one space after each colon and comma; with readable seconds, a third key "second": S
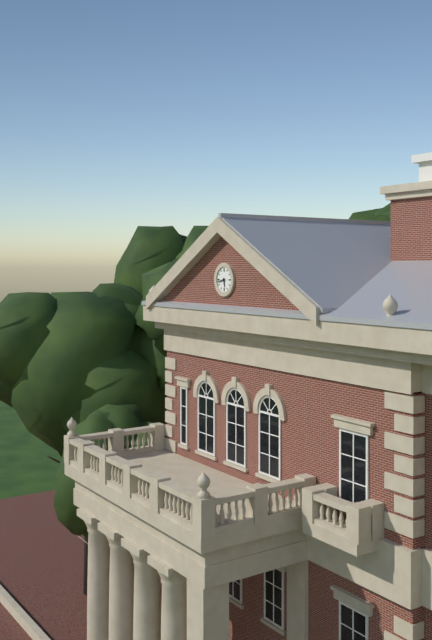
{"hour": 5, "minute": 43}
